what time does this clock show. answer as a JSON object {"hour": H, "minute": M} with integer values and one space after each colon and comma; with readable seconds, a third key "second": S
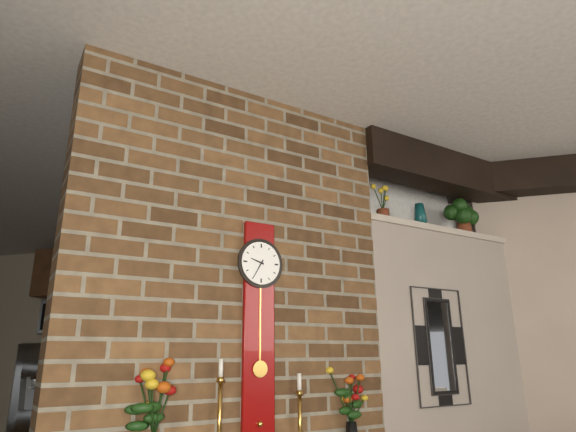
{"hour": 9, "minute": 35}
